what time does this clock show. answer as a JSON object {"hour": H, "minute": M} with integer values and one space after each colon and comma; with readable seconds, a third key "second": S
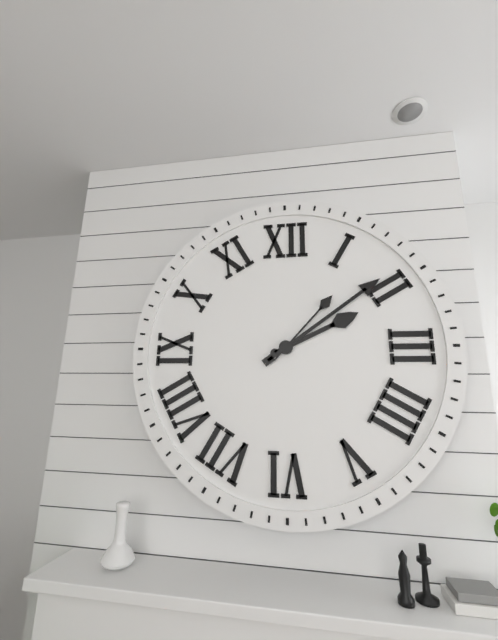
{"hour": 2, "minute": 9, "second": 7}
